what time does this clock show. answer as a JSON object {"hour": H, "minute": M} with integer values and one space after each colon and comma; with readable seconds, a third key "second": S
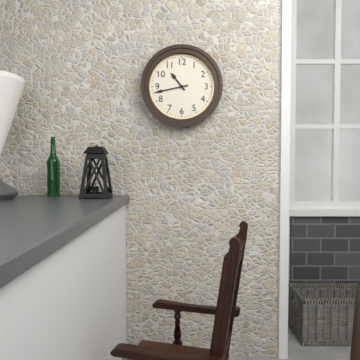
{"hour": 10, "minute": 43}
